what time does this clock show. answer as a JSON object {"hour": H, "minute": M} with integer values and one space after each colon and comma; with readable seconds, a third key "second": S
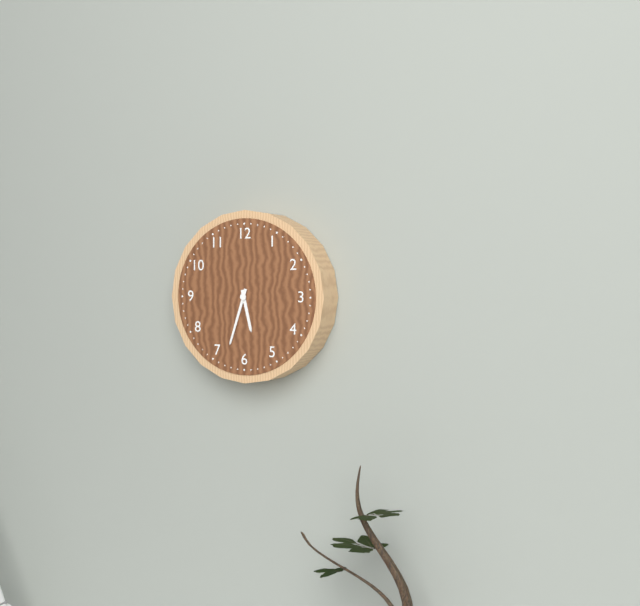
{"hour": 5, "minute": 33}
